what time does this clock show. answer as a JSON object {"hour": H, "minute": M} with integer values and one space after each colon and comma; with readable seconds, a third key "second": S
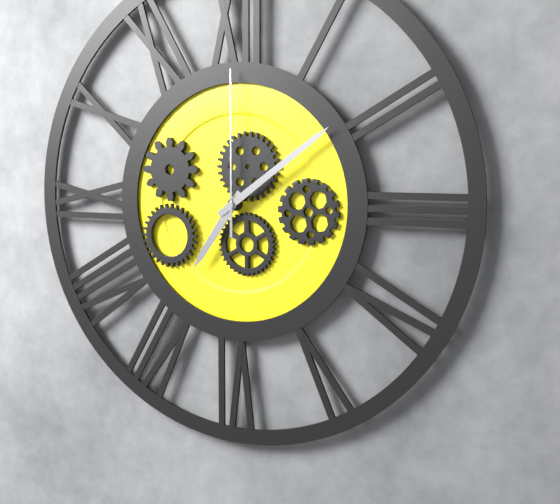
{"hour": 7, "minute": 9, "second": 0}
